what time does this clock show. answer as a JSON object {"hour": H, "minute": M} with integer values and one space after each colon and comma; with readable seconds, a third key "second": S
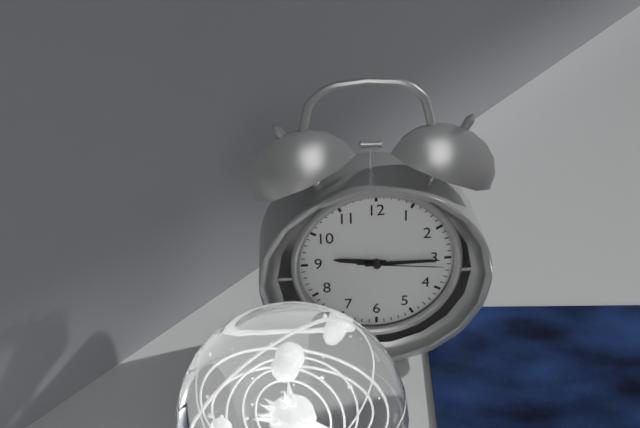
{"hour": 9, "minute": 15, "second": 16}
